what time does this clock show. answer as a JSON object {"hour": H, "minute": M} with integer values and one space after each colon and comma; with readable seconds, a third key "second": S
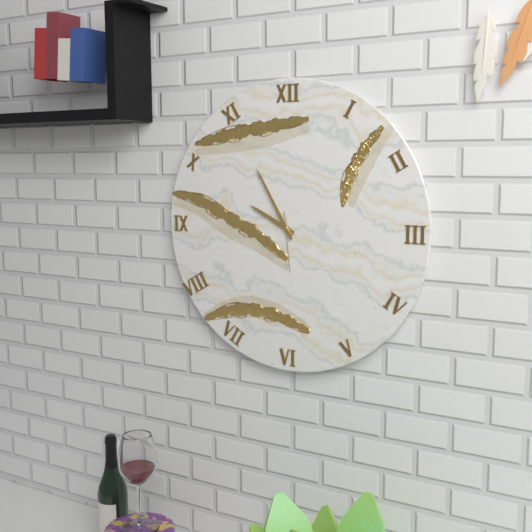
{"hour": 9, "minute": 55, "second": 29}
